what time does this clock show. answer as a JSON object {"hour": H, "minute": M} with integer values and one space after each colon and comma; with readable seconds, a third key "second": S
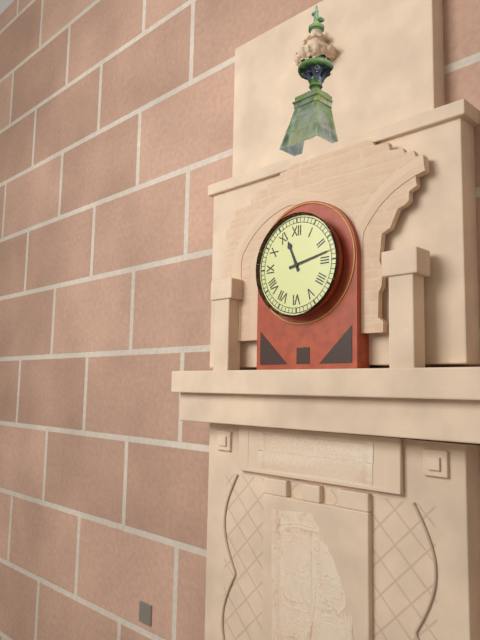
{"hour": 11, "minute": 13}
